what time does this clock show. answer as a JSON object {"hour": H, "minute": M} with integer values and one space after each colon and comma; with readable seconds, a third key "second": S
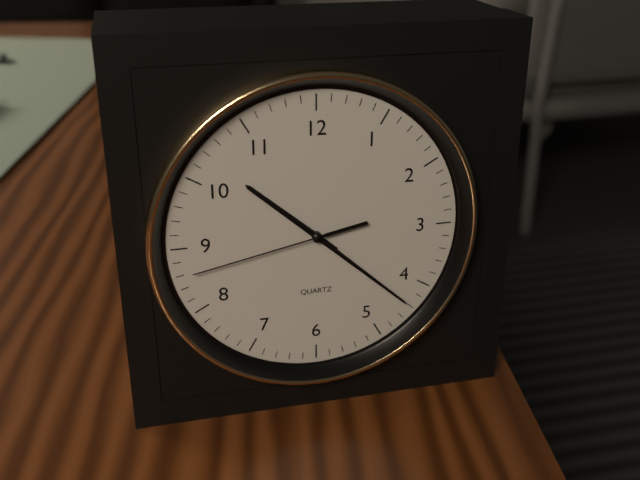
{"hour": 10, "minute": 22, "second": 43}
